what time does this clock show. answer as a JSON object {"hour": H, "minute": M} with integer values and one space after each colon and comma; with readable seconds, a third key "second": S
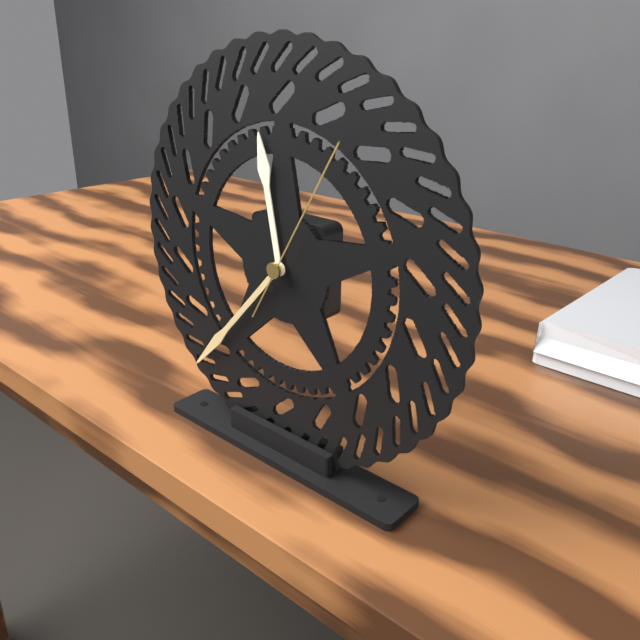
{"hour": 11, "minute": 37, "second": 5}
